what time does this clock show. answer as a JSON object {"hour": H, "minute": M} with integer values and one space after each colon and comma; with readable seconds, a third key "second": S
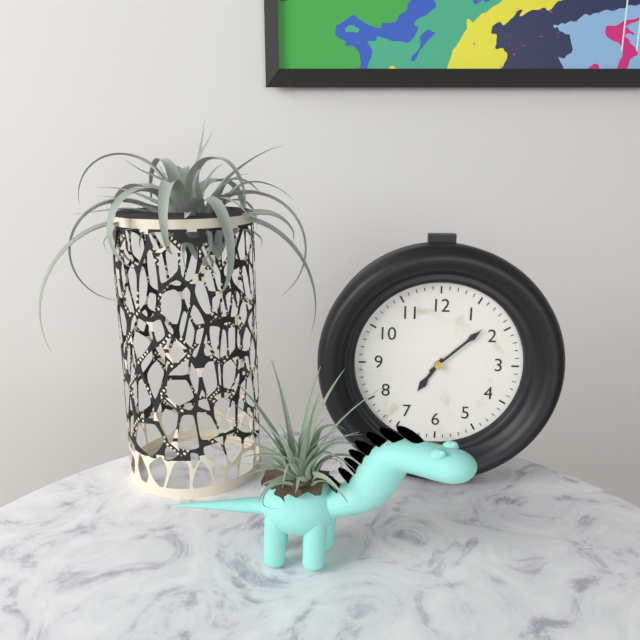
{"hour": 7, "minute": 8}
